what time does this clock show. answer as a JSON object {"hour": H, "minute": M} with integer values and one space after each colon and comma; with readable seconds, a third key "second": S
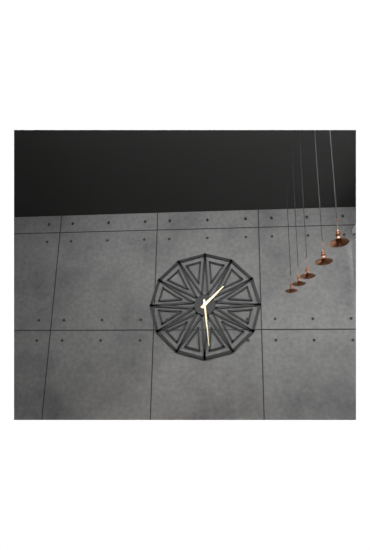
{"hour": 1, "minute": 29}
